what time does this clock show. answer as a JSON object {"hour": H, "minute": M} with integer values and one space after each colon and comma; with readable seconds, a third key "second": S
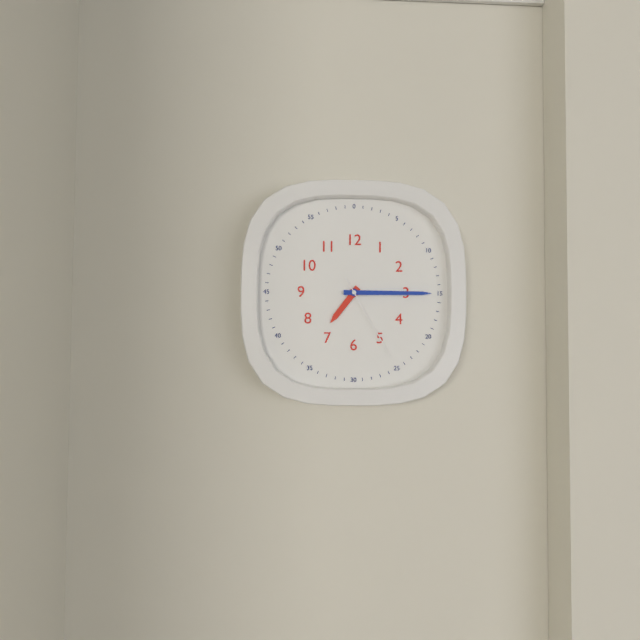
{"hour": 7, "minute": 15, "second": 25}
